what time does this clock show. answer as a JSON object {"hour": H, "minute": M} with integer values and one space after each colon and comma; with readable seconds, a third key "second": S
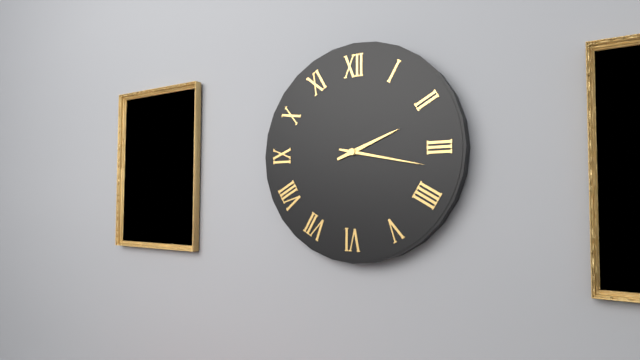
{"hour": 2, "minute": 17}
